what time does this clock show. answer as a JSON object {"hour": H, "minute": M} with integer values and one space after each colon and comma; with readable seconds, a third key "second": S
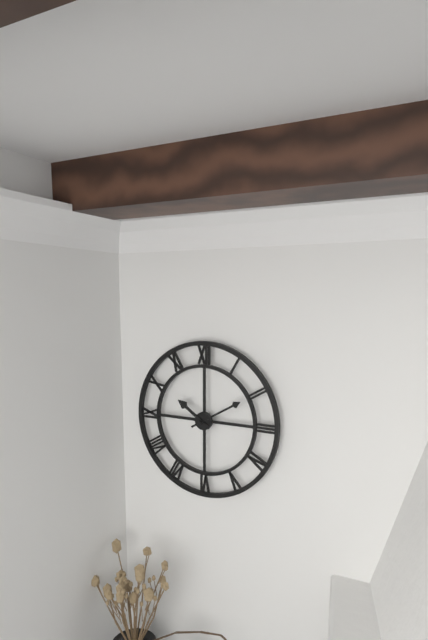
{"hour": 10, "minute": 10}
